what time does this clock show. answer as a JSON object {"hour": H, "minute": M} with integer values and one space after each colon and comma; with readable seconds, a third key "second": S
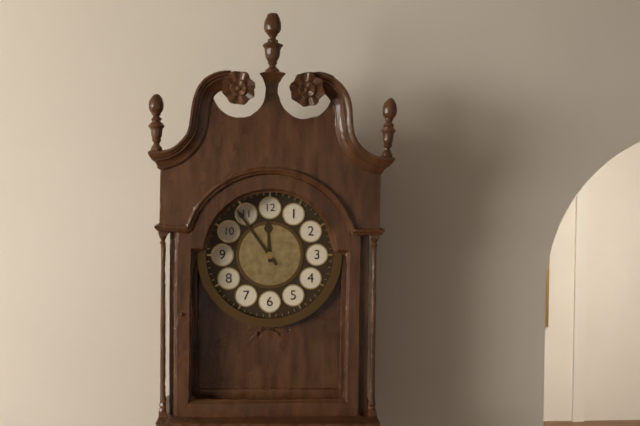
{"hour": 11, "minute": 54}
